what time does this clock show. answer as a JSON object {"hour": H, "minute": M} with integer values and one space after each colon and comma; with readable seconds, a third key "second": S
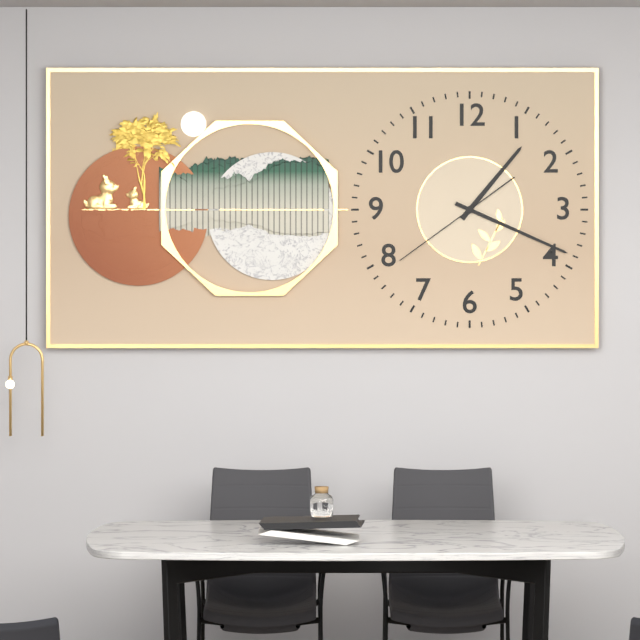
{"hour": 1, "minute": 19, "second": 39}
